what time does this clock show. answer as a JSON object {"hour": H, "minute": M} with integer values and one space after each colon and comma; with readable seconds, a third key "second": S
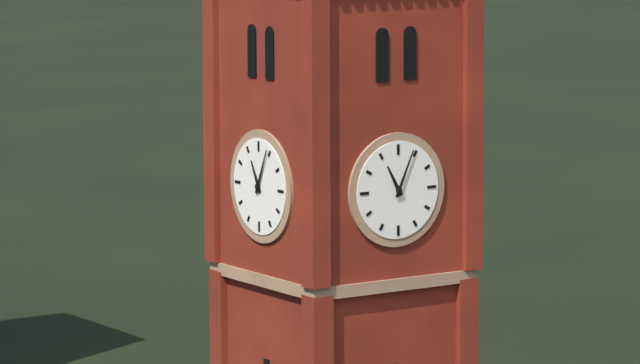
{"hour": 11, "minute": 4}
